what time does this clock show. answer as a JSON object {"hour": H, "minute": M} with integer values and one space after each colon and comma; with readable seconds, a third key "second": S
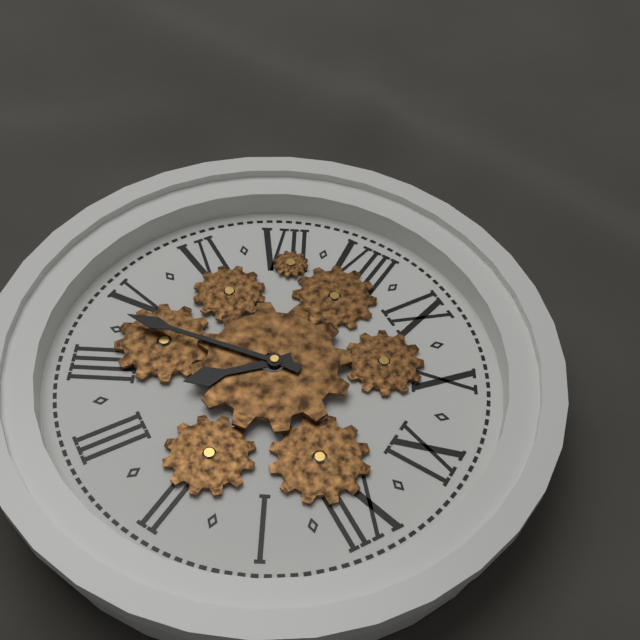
{"hour": 3, "minute": 23}
